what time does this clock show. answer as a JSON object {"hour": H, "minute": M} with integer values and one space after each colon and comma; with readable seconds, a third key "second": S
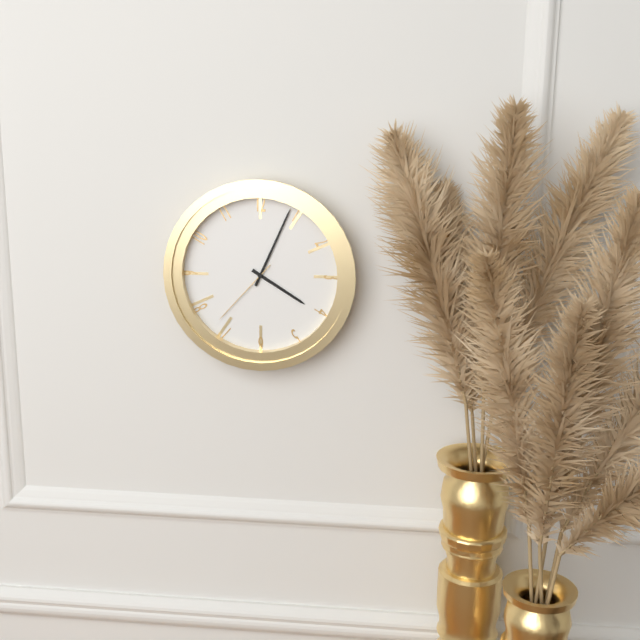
{"hour": 4, "minute": 4, "second": 37}
